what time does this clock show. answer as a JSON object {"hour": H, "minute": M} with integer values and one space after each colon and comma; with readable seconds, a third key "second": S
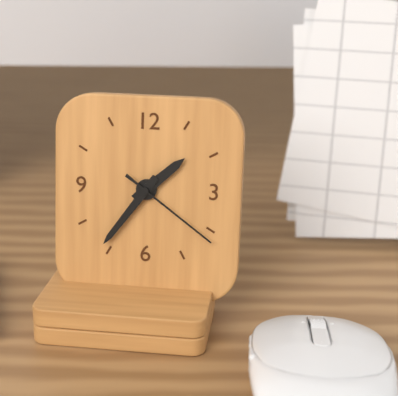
{"hour": 1, "minute": 36, "second": 21}
